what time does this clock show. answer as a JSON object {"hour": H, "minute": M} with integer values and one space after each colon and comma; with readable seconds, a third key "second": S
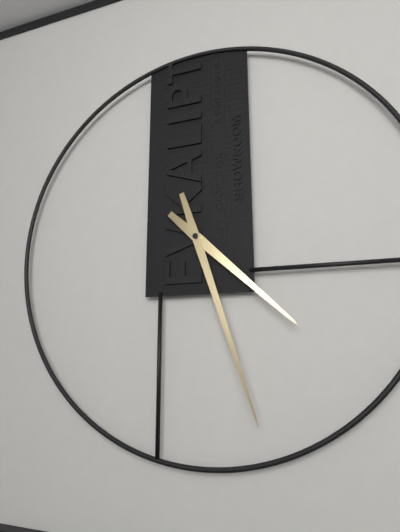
{"hour": 4, "minute": 27}
